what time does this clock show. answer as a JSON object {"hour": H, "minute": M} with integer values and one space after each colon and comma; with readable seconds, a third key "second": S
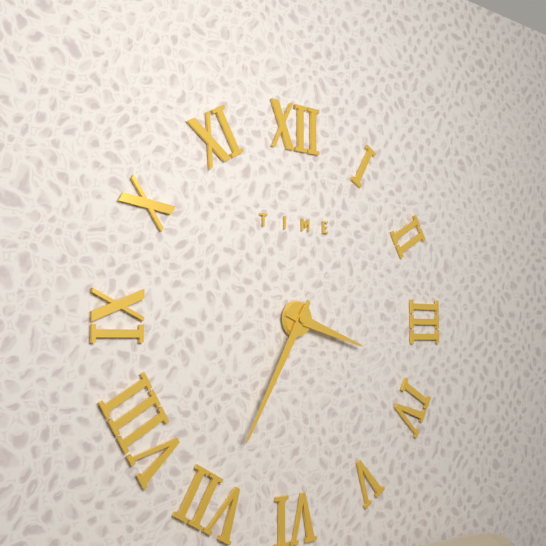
{"hour": 3, "minute": 35}
